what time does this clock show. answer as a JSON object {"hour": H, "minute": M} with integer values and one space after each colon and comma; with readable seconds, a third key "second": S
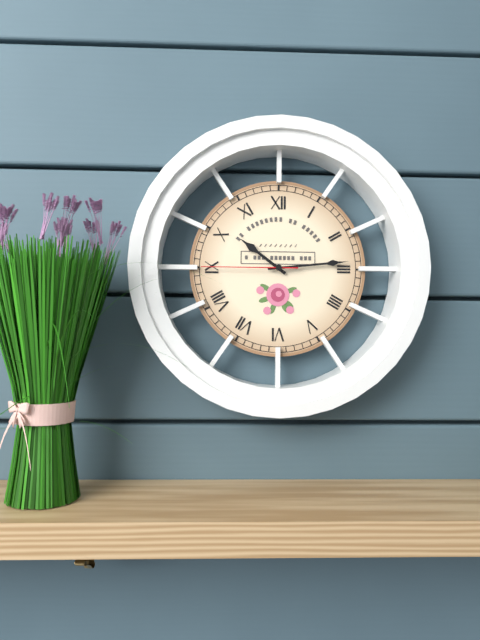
{"hour": 10, "minute": 14, "second": 45}
